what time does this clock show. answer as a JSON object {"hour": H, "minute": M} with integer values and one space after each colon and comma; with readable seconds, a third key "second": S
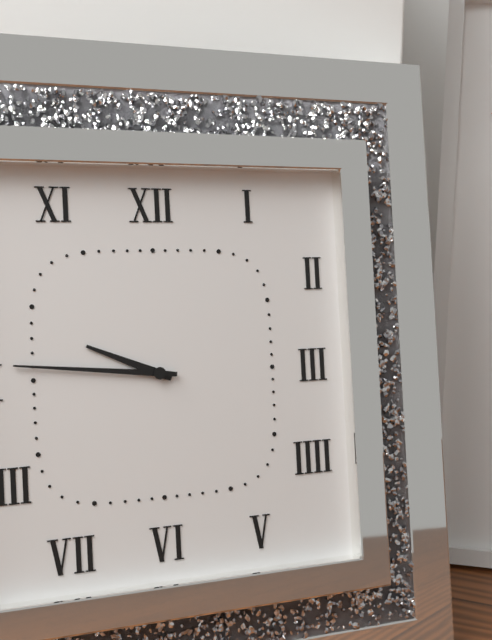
{"hour": 9, "minute": 46}
